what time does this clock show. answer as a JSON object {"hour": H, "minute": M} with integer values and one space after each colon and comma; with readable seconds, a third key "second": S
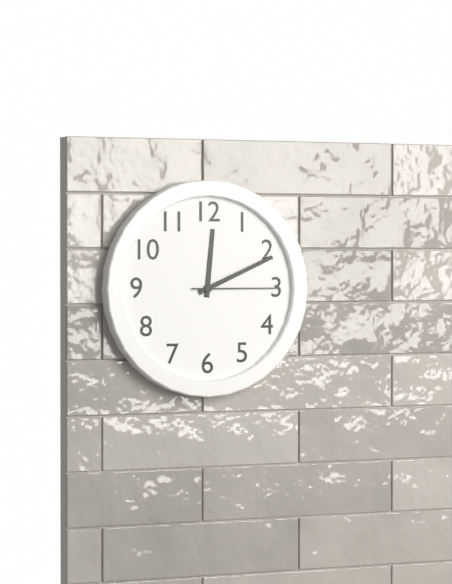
{"hour": 12, "minute": 11, "second": 15}
